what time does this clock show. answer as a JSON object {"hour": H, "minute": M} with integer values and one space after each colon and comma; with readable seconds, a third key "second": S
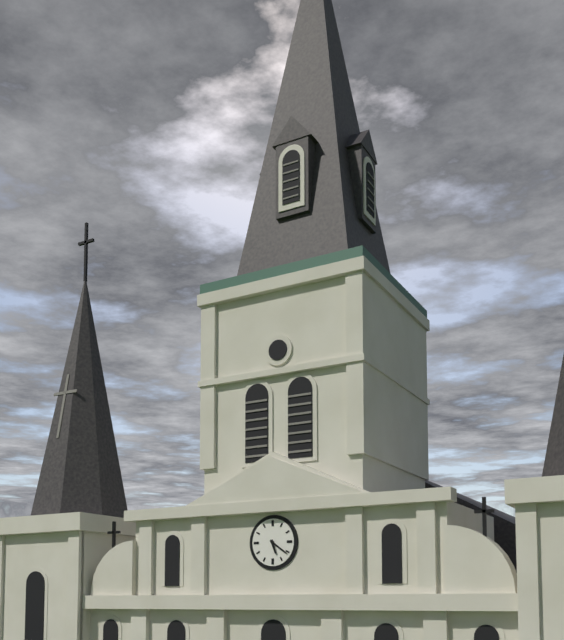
{"hour": 5, "minute": 21}
